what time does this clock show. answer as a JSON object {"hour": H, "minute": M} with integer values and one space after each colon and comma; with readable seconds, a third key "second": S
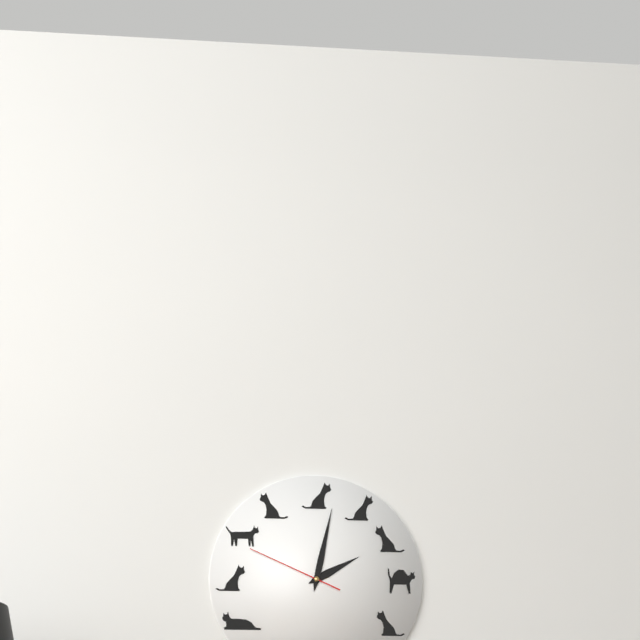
{"hour": 2, "minute": 2, "second": 49}
